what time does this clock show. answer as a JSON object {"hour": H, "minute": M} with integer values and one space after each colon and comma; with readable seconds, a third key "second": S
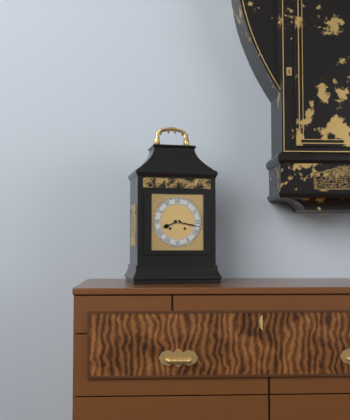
{"hour": 8, "minute": 17}
